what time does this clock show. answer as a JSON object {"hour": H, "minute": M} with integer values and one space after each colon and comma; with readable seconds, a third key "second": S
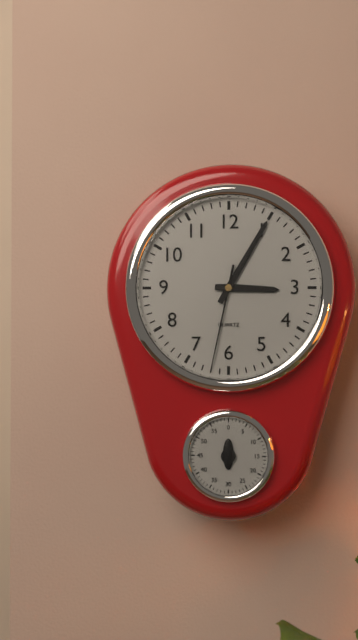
{"hour": 3, "minute": 5, "second": 32}
